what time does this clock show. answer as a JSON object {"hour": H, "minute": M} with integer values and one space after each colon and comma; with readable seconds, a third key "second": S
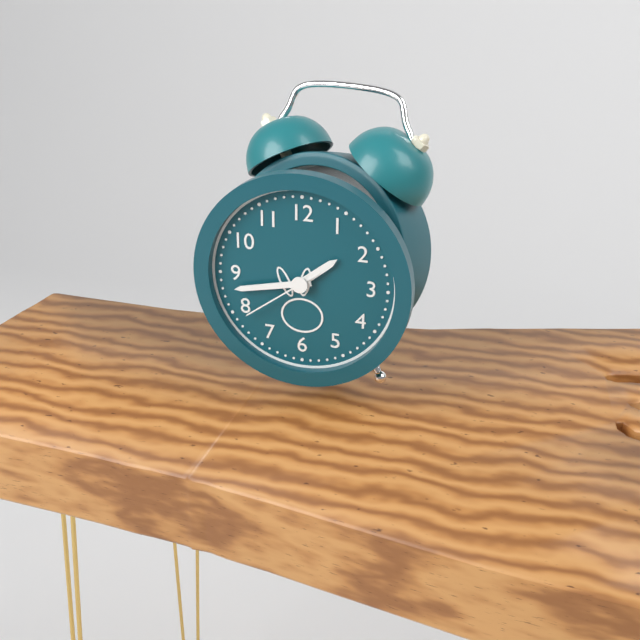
{"hour": 1, "minute": 43, "second": 39}
